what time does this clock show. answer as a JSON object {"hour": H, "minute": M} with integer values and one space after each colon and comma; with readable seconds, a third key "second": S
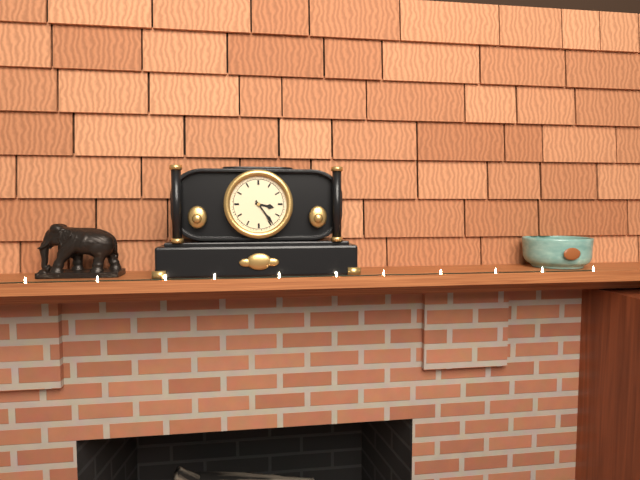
{"hour": 3, "minute": 24}
